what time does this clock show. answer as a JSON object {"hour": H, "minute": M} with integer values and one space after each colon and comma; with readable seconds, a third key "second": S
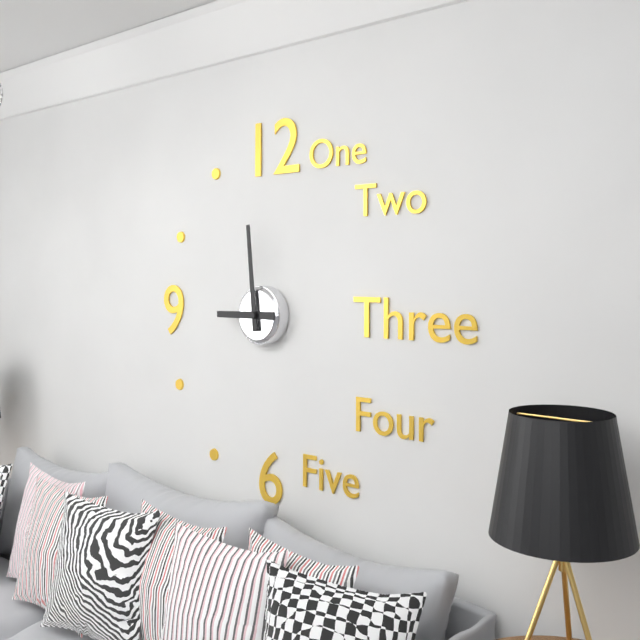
{"hour": 8, "minute": 59}
